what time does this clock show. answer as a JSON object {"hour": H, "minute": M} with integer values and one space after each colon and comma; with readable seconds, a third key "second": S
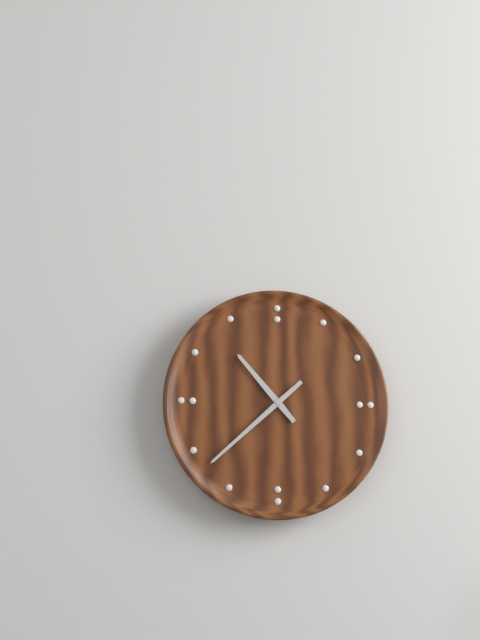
{"hour": 10, "minute": 38}
